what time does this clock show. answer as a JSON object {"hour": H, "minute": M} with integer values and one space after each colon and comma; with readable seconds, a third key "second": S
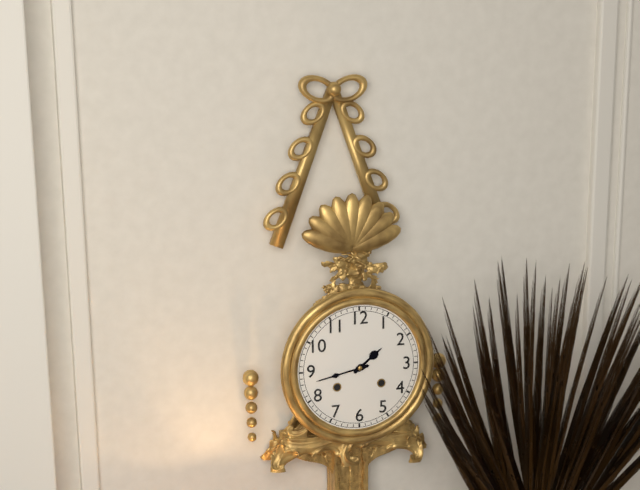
{"hour": 1, "minute": 43}
